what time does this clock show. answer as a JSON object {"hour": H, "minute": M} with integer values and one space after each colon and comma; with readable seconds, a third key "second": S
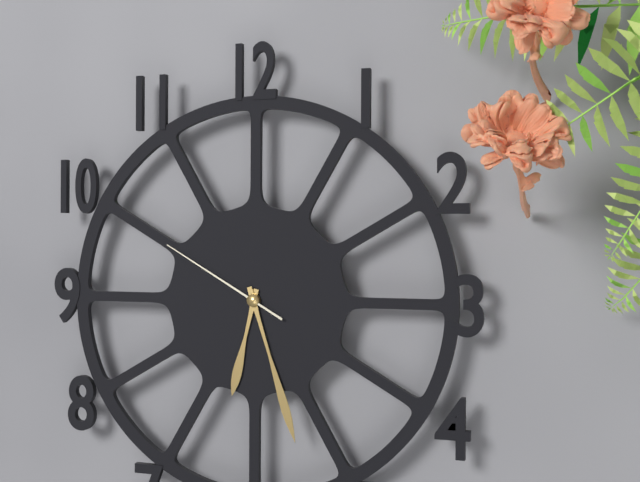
{"hour": 6, "minute": 27, "second": 50}
